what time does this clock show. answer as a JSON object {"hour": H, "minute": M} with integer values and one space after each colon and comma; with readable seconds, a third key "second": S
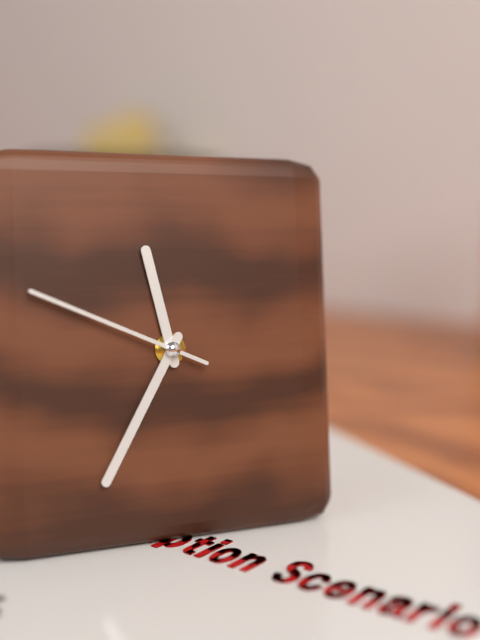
{"hour": 11, "minute": 35, "second": 49}
